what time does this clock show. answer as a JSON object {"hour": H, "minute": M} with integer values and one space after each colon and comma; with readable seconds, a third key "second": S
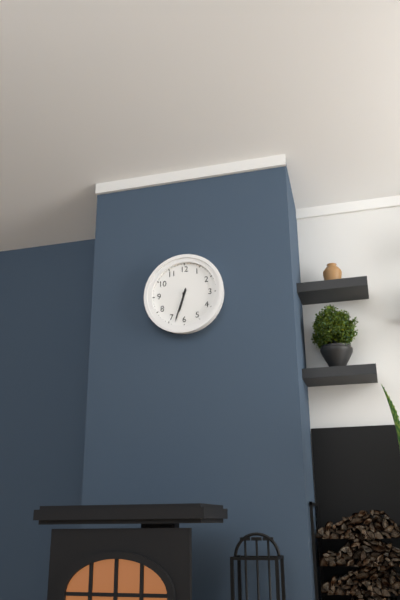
{"hour": 6, "minute": 33}
